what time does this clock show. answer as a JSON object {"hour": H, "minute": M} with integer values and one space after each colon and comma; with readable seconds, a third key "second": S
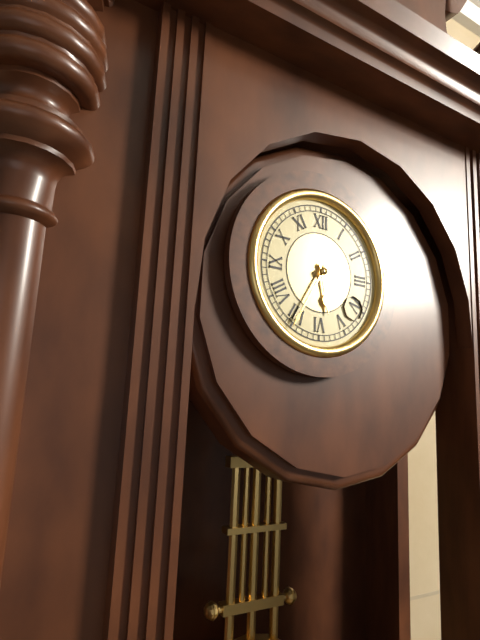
{"hour": 5, "minute": 35}
